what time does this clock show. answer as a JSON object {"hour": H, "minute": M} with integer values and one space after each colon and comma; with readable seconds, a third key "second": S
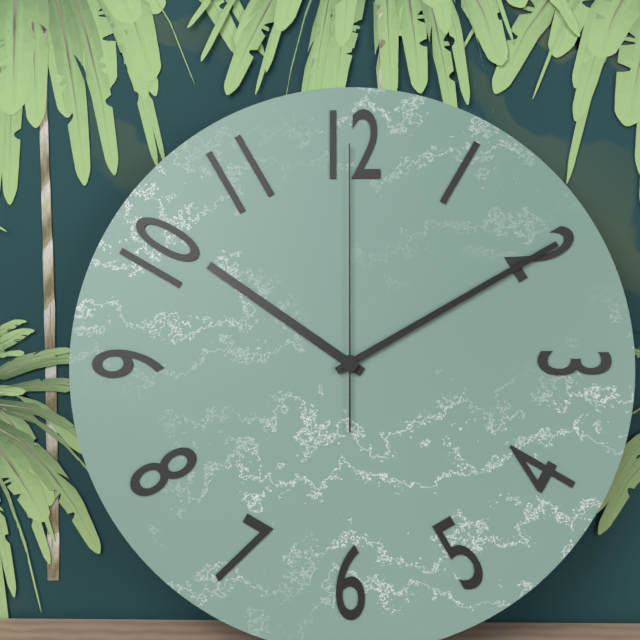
{"hour": 10, "minute": 10, "second": 0}
